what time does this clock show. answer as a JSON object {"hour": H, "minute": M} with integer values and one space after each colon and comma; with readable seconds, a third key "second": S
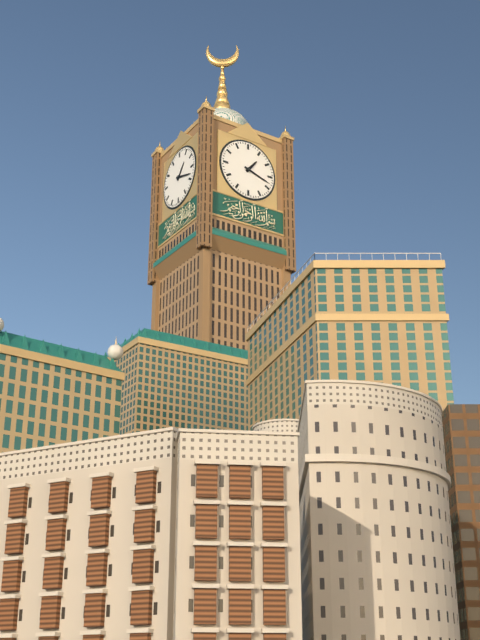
{"hour": 1, "minute": 18}
